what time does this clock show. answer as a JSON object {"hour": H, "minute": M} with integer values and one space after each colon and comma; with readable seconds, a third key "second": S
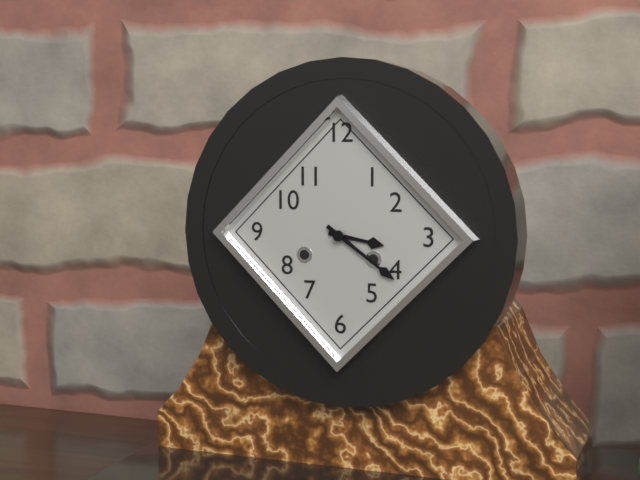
{"hour": 3, "minute": 21}
